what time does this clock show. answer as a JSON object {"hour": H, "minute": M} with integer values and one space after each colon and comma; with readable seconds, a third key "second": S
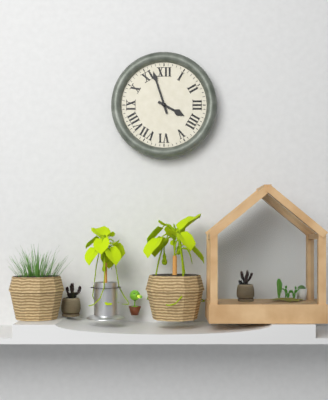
{"hour": 3, "minute": 57}
